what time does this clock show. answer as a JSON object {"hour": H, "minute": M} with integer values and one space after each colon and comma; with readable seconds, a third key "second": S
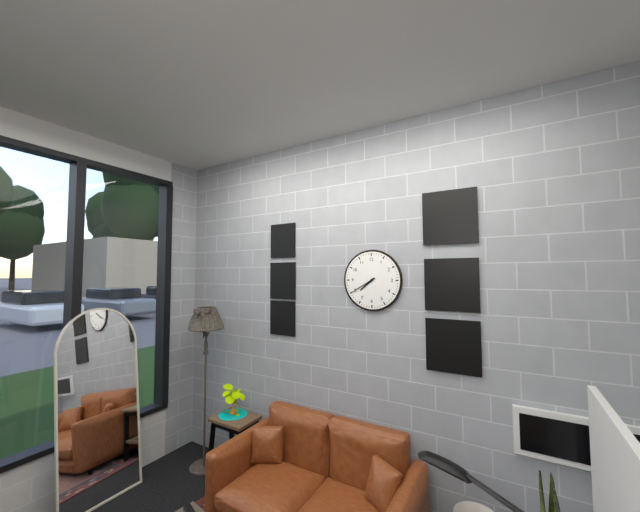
{"hour": 7, "minute": 40}
